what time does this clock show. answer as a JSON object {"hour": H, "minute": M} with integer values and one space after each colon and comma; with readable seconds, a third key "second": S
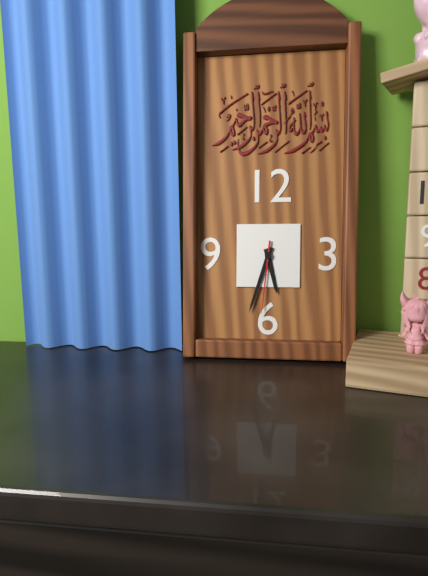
{"hour": 5, "minute": 33, "second": 31}
